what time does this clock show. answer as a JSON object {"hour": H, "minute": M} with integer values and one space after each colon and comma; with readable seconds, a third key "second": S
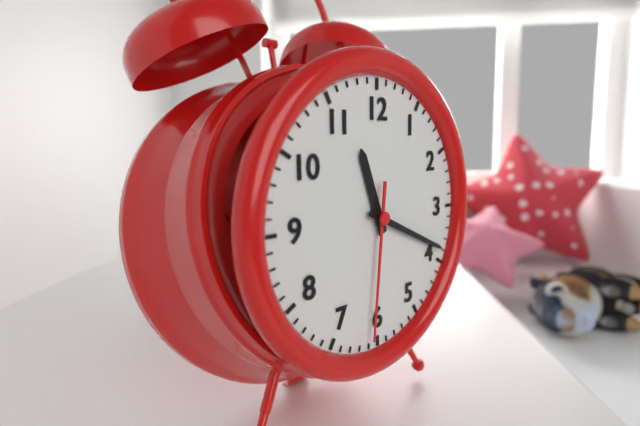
{"hour": 11, "minute": 19, "second": 31}
